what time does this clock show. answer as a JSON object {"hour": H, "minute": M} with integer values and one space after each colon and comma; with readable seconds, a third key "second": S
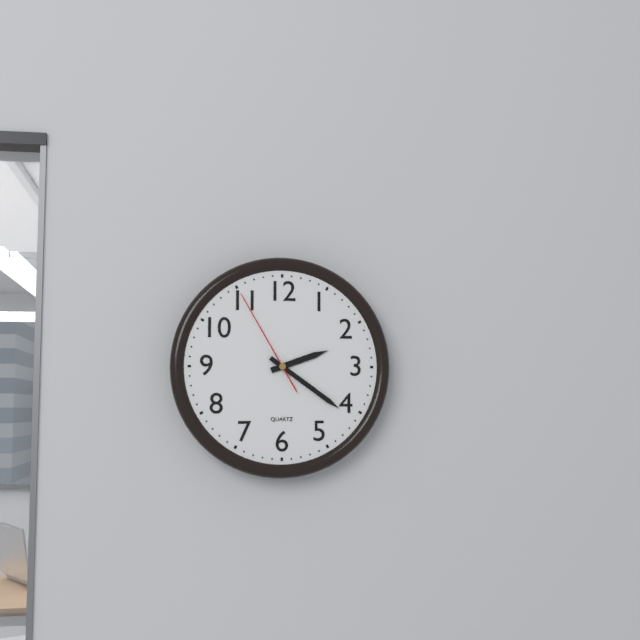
{"hour": 2, "minute": 21, "second": 55}
